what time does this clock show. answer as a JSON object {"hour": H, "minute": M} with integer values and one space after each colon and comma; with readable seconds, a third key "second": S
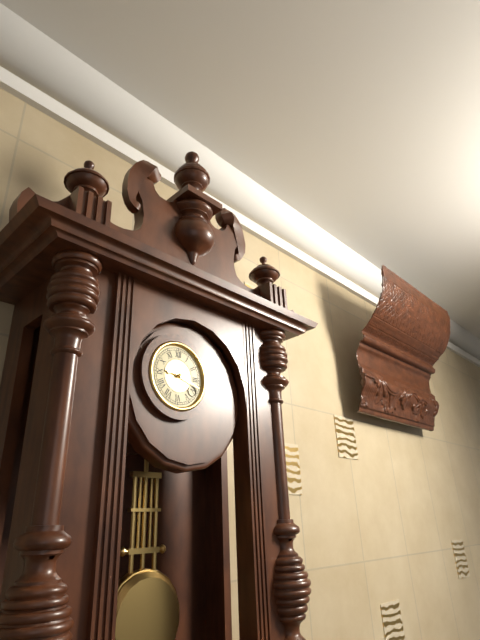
{"hour": 9, "minute": 18}
